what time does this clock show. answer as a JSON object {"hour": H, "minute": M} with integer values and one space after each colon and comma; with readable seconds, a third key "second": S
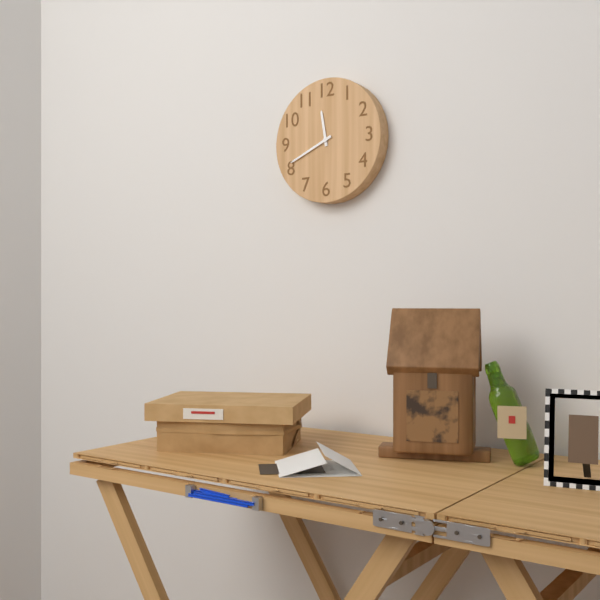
{"hour": 11, "minute": 41}
